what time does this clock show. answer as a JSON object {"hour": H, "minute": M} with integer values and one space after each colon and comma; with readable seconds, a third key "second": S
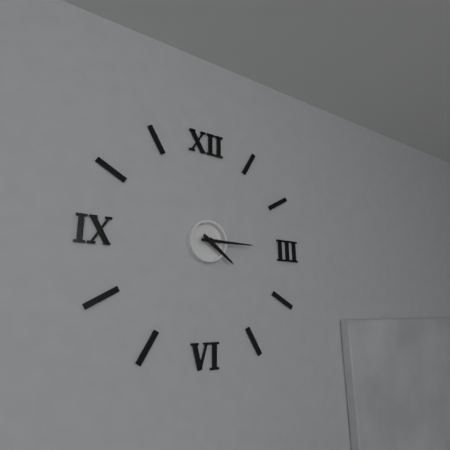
{"hour": 4, "minute": 15}
